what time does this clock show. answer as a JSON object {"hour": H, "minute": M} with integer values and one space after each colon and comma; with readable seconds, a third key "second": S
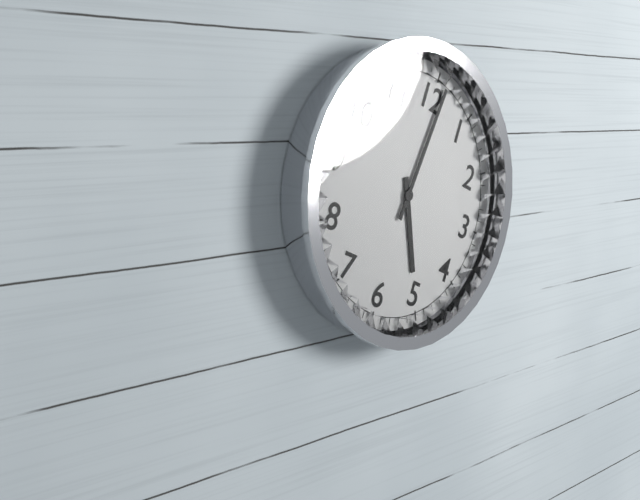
{"hour": 5, "minute": 1}
